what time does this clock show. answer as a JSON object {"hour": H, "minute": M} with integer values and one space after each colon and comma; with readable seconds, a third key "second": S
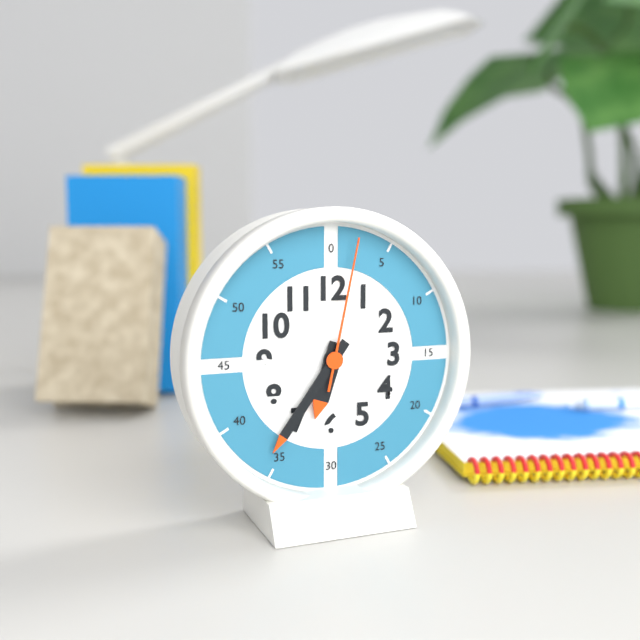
{"hour": 6, "minute": 36, "second": 2}
